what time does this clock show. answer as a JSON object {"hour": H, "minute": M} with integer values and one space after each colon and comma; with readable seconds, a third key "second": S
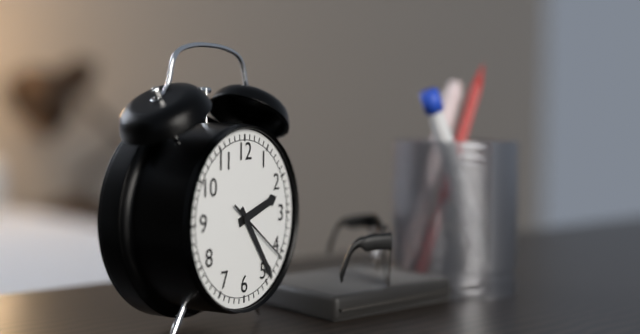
{"hour": 2, "minute": 24, "second": 21}
